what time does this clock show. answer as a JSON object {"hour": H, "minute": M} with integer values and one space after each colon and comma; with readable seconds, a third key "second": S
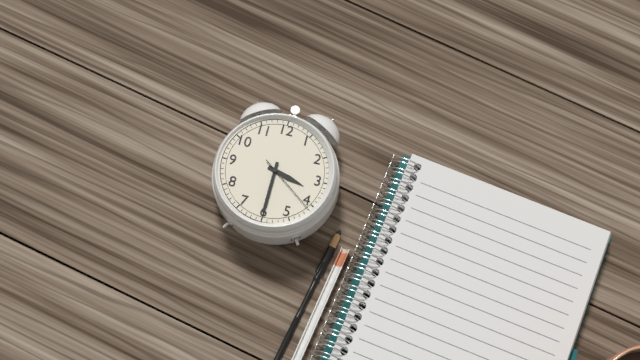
{"hour": 3, "minute": 30, "second": 21}
